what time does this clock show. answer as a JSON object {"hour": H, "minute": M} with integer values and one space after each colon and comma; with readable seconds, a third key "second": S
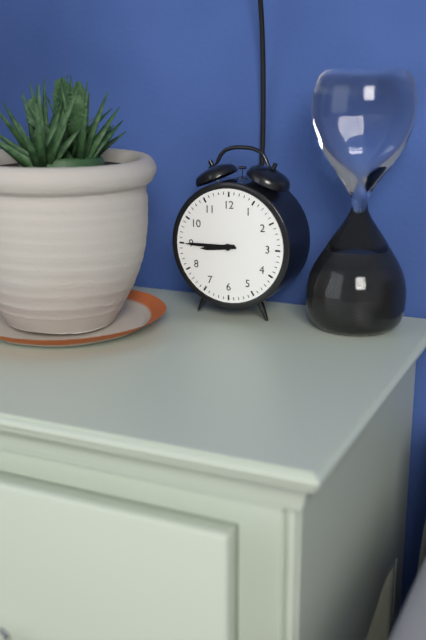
{"hour": 8, "minute": 45}
